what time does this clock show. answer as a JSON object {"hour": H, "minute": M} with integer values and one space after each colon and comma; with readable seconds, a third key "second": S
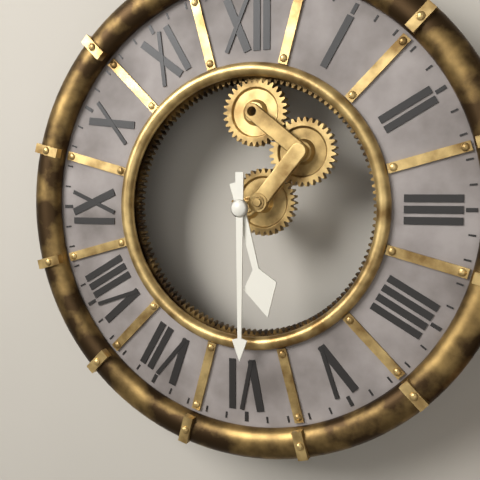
{"hour": 5, "minute": 30}
